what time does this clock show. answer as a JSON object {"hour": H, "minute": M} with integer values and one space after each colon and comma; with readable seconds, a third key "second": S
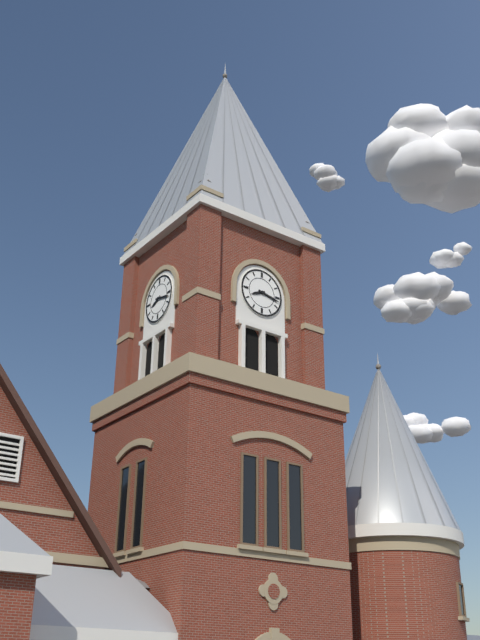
{"hour": 8, "minute": 17}
